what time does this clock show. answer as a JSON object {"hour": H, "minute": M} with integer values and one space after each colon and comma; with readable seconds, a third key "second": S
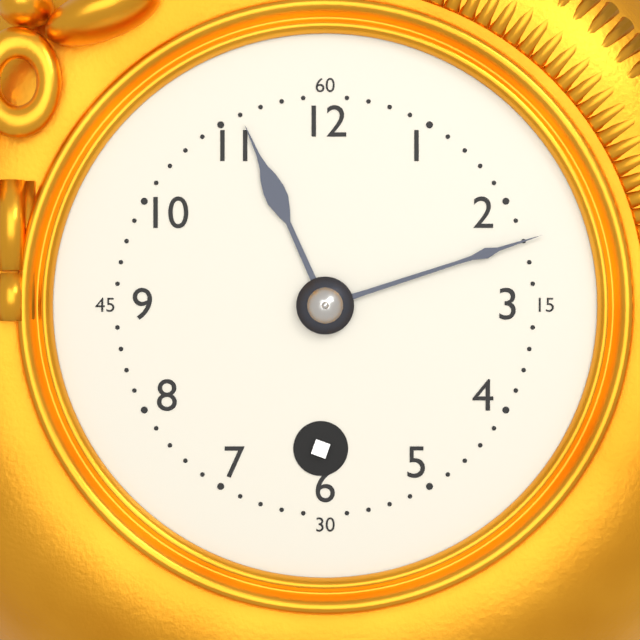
{"hour": 11, "minute": 12}
